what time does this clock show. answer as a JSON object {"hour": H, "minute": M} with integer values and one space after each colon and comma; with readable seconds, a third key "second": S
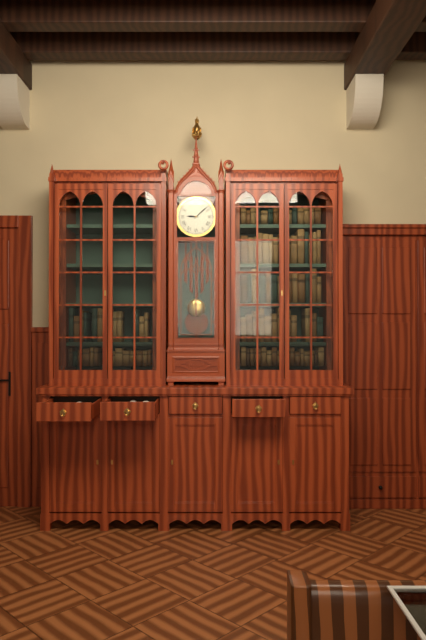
{"hour": 9, "minute": 8}
